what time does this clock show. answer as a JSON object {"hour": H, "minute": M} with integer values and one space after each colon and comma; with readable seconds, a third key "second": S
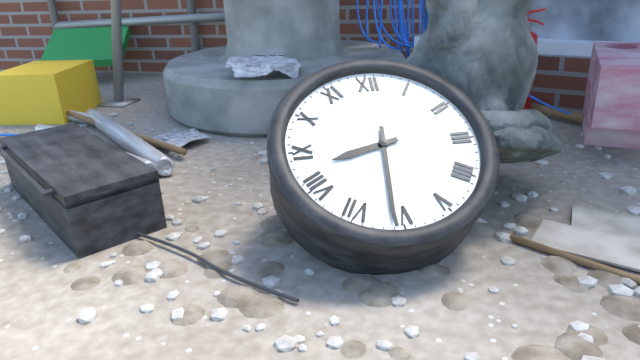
{"hour": 8, "minute": 31}
